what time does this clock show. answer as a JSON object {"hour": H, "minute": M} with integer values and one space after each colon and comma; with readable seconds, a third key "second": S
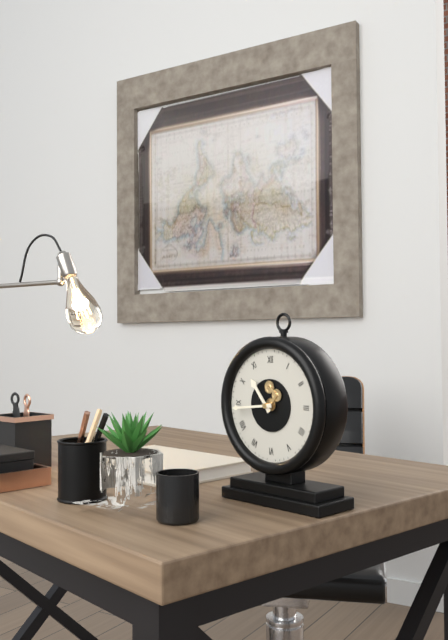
{"hour": 10, "minute": 44}
